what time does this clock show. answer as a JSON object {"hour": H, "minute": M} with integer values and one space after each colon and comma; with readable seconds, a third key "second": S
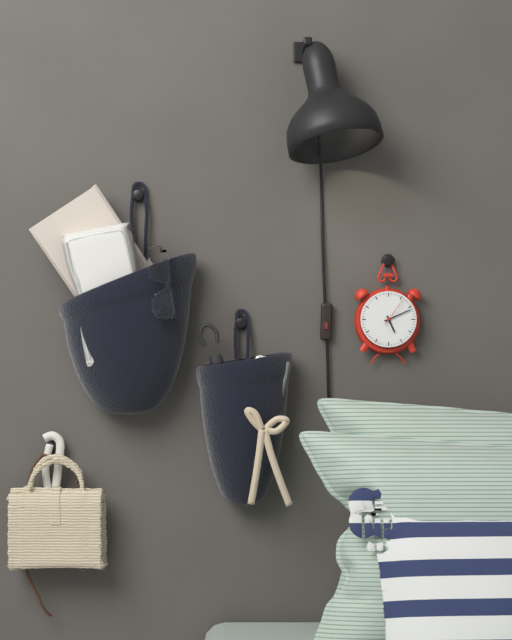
{"hour": 5, "minute": 11}
